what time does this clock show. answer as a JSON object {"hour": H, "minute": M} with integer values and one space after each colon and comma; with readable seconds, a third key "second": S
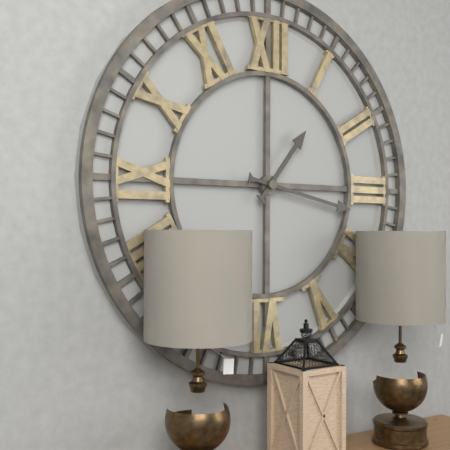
{"hour": 1, "minute": 17}
